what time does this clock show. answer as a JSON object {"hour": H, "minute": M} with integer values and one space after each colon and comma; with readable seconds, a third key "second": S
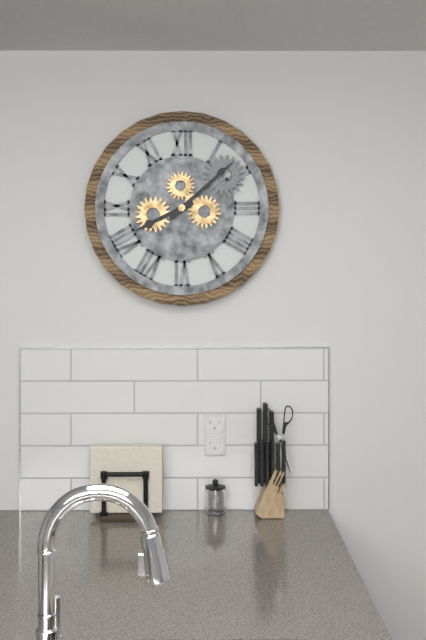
{"hour": 8, "minute": 8}
